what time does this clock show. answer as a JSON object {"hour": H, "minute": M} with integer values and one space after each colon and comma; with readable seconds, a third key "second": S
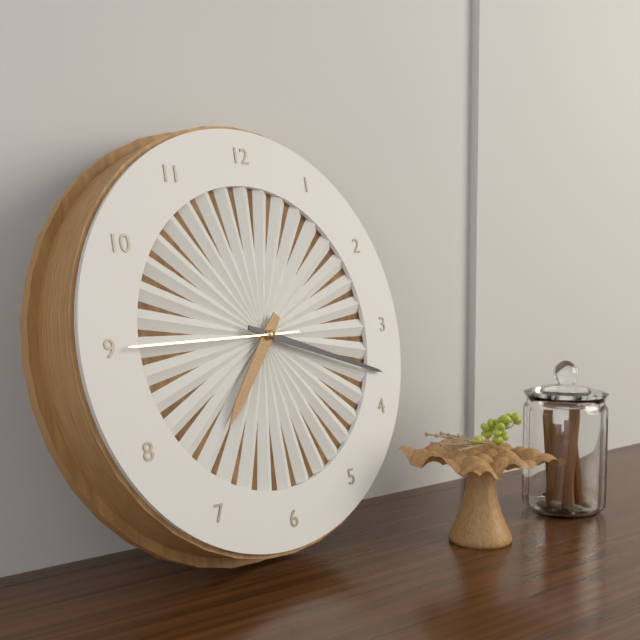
{"hour": 7, "minute": 18, "second": 45}
